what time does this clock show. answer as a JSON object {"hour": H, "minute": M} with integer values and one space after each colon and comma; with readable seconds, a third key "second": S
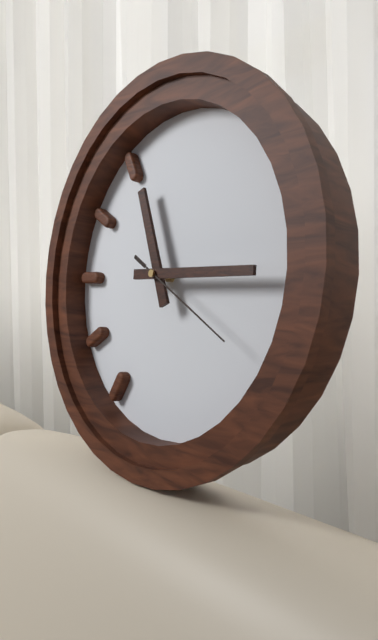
{"hour": 11, "minute": 15, "second": 20}
